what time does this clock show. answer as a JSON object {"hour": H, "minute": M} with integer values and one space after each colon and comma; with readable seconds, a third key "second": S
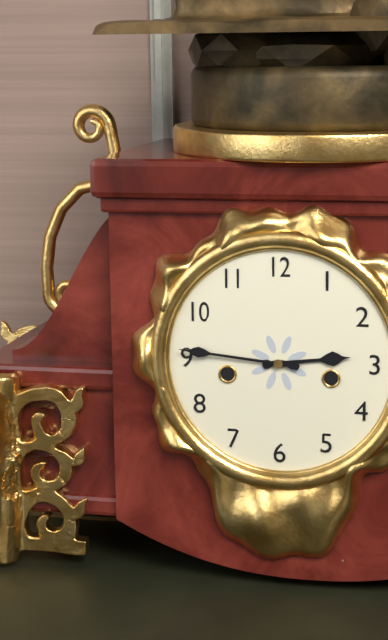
{"hour": 2, "minute": 46}
